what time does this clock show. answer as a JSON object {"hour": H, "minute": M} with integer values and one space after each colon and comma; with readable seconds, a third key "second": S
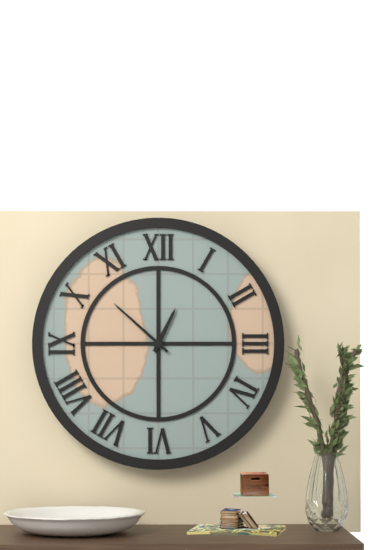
{"hour": 12, "minute": 52}
